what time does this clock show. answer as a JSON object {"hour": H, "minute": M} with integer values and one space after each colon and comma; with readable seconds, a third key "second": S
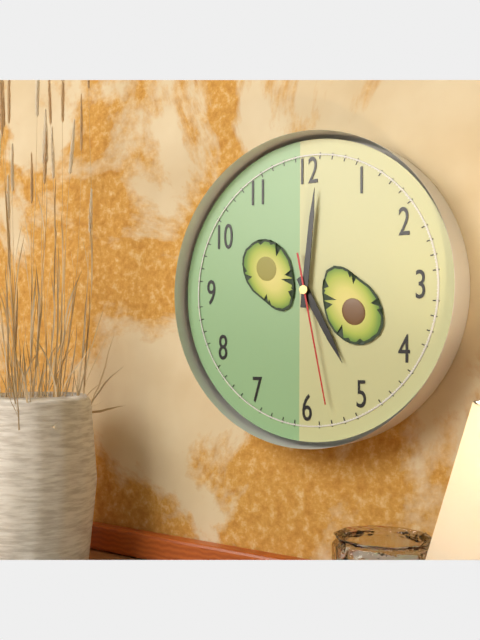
{"hour": 5, "minute": 1, "second": 28}
